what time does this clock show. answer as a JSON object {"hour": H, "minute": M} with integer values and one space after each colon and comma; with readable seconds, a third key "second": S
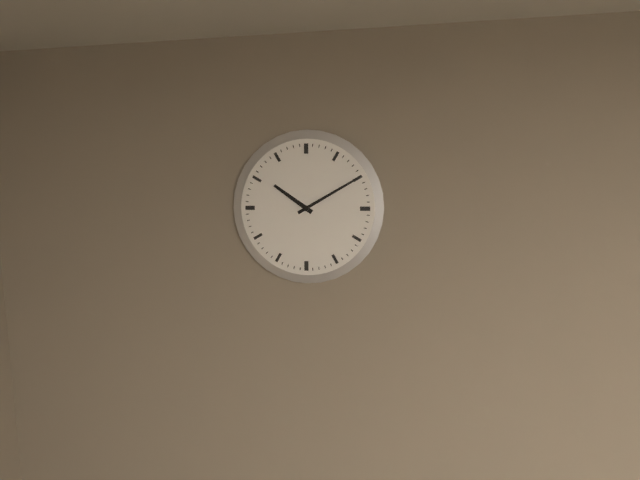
{"hour": 10, "minute": 10}
